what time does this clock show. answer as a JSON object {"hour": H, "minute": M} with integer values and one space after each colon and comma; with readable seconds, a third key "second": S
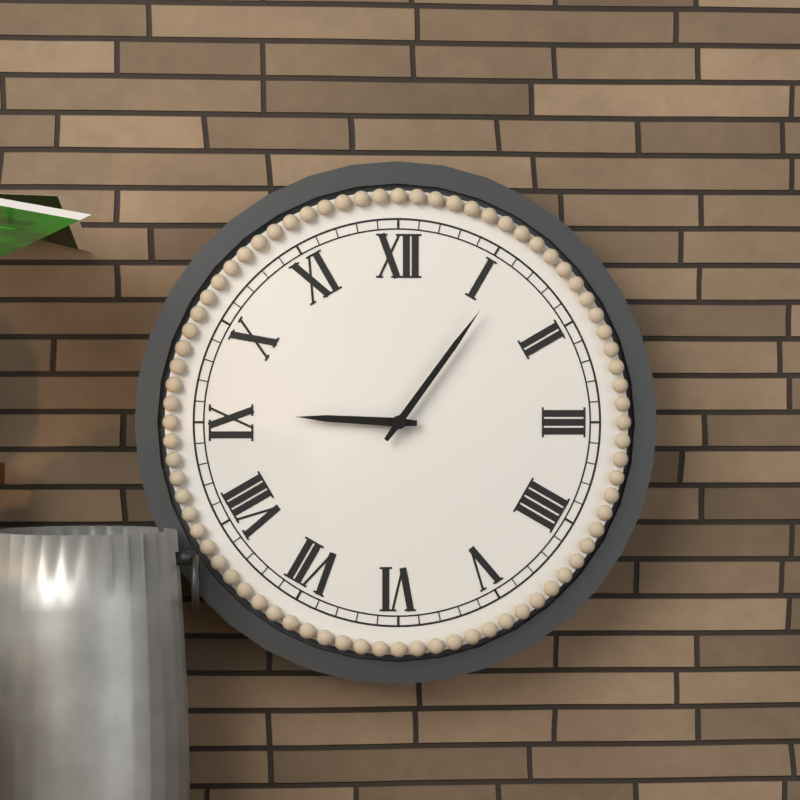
{"hour": 9, "minute": 6}
